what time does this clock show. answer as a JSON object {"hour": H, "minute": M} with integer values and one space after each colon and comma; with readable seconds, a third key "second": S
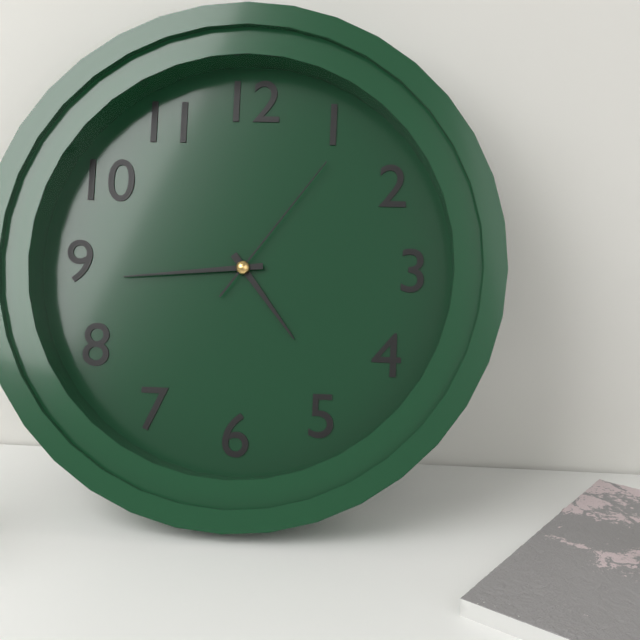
{"hour": 4, "minute": 44, "second": 6}
